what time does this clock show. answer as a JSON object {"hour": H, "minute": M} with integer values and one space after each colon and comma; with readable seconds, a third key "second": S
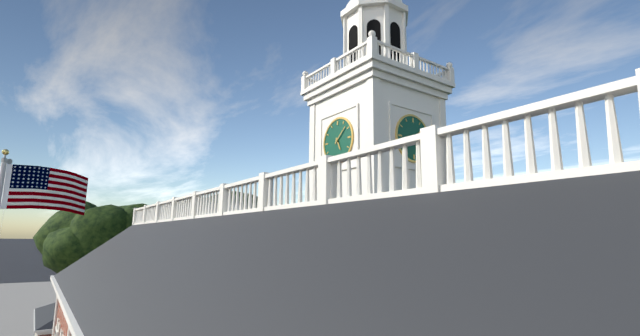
{"hour": 5, "minute": 8}
